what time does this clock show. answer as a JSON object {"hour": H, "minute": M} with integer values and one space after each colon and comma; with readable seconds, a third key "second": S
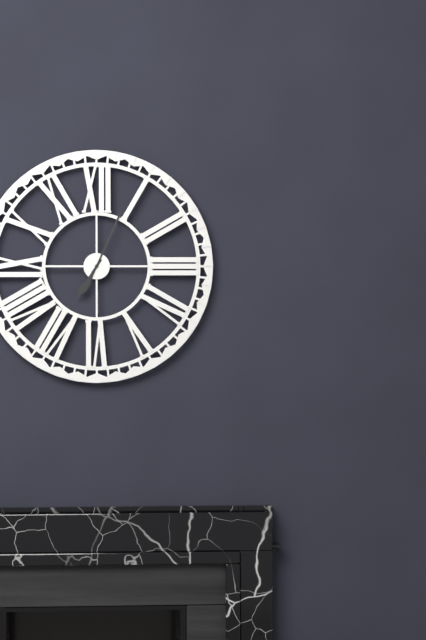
{"hour": 7, "minute": 4}
